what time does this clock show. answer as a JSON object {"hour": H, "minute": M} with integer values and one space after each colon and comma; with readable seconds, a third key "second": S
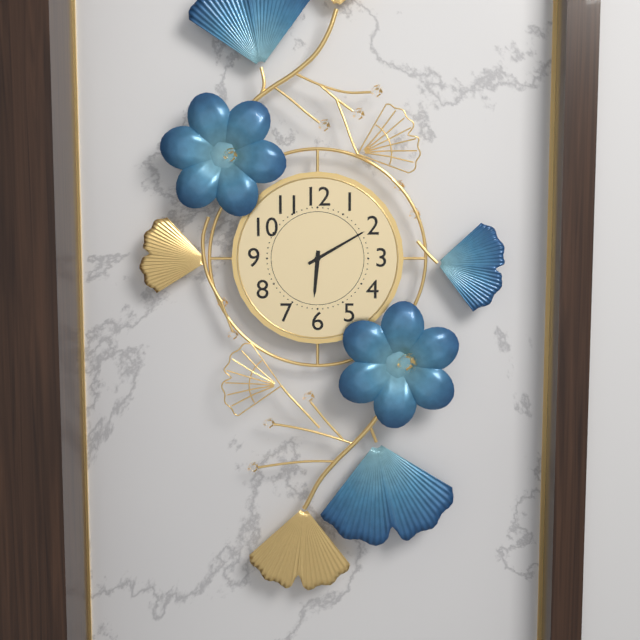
{"hour": 6, "minute": 10}
